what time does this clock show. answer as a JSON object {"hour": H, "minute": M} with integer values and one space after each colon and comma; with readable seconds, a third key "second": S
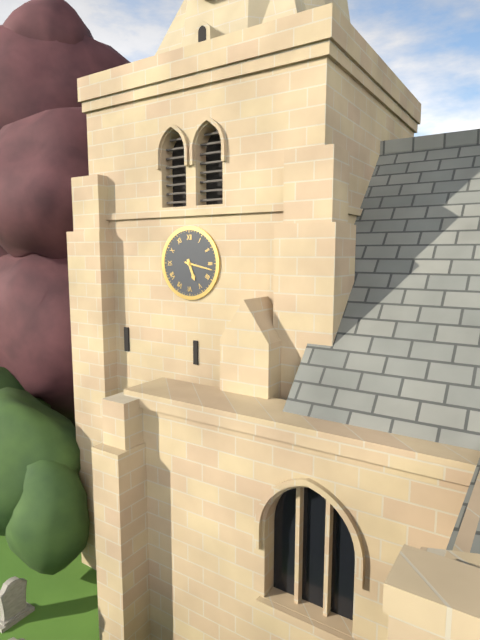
{"hour": 5, "minute": 17}
